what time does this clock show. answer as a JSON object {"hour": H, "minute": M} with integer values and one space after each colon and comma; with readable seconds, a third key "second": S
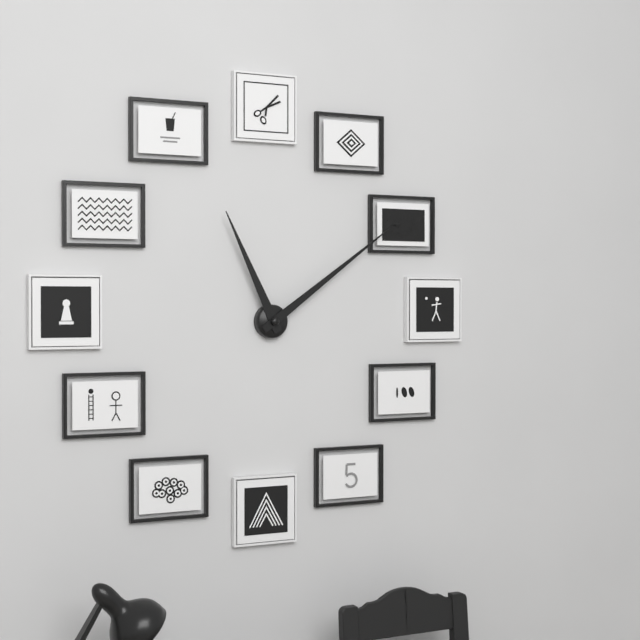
{"hour": 11, "minute": 9}
